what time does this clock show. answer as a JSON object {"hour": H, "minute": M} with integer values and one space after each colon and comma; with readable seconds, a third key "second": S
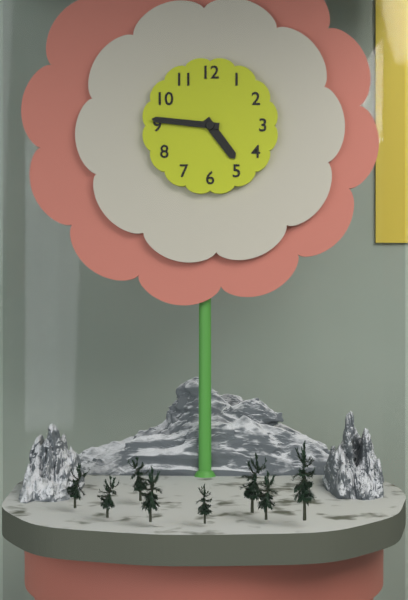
{"hour": 4, "minute": 46}
